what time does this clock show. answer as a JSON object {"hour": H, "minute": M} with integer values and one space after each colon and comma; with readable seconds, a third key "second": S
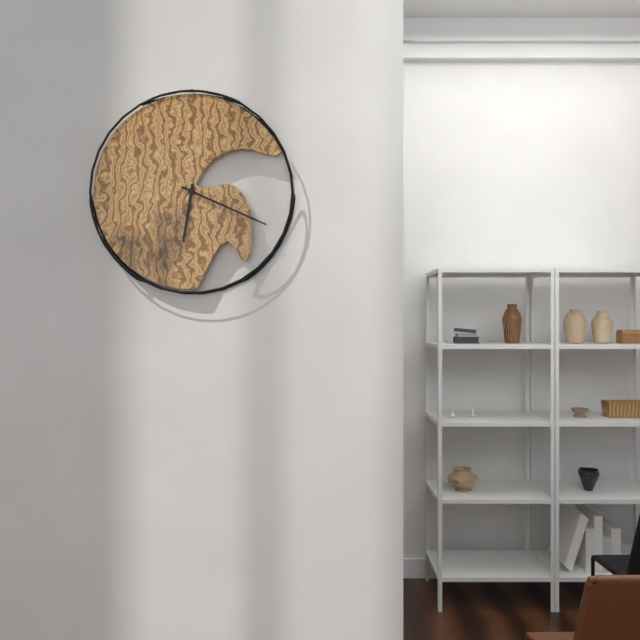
{"hour": 6, "minute": 19}
